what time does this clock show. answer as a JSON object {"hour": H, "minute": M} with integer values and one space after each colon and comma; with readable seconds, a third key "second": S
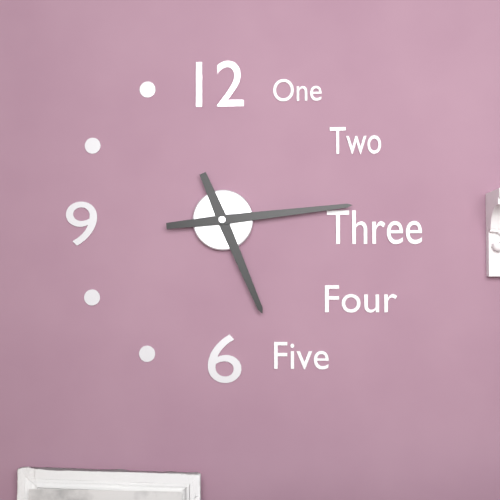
{"hour": 5, "minute": 14}
